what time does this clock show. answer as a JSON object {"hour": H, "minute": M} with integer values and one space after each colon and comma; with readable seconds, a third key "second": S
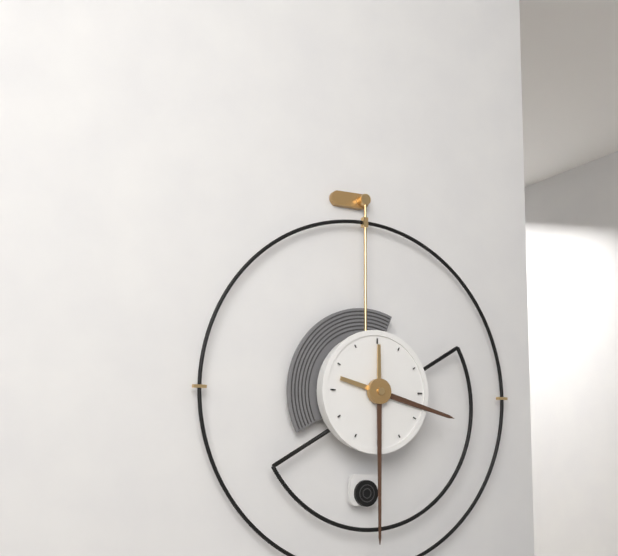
{"hour": 3, "minute": 30}
